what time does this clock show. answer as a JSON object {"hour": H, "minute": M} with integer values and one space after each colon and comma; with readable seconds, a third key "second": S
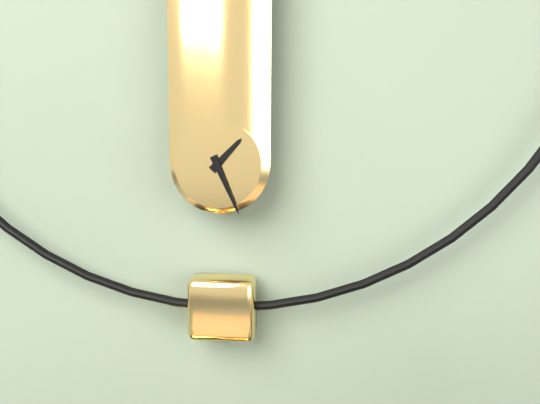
{"hour": 1, "minute": 26}
